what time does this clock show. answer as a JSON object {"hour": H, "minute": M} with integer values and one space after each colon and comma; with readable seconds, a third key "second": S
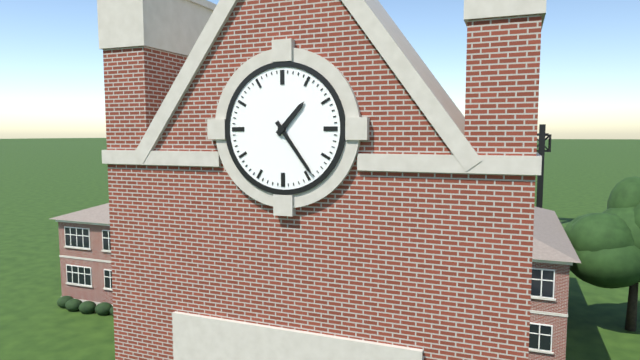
{"hour": 1, "minute": 24}
